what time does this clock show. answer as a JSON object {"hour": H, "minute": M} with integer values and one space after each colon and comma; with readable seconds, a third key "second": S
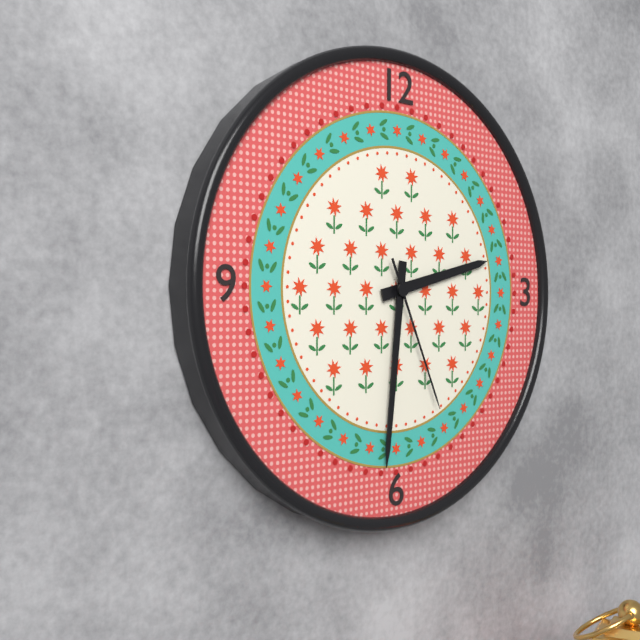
{"hour": 2, "minute": 31, "second": 26}
